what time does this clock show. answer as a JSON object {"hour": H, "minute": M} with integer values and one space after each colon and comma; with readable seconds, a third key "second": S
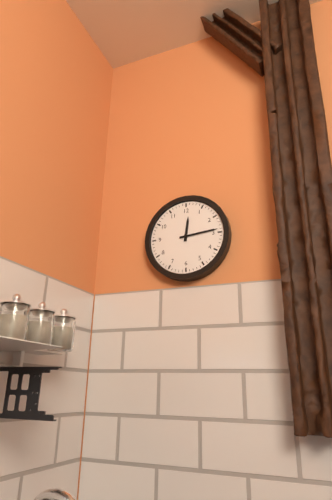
{"hour": 12, "minute": 14}
